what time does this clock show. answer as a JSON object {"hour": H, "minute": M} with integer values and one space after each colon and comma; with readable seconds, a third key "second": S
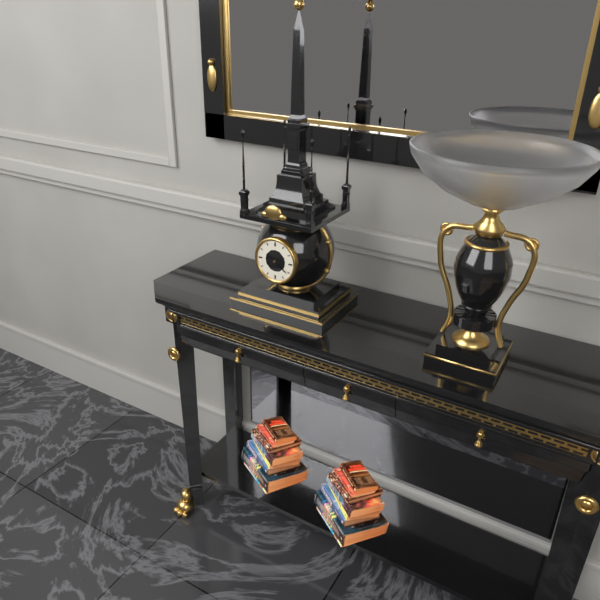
{"hour": 7, "minute": 21}
